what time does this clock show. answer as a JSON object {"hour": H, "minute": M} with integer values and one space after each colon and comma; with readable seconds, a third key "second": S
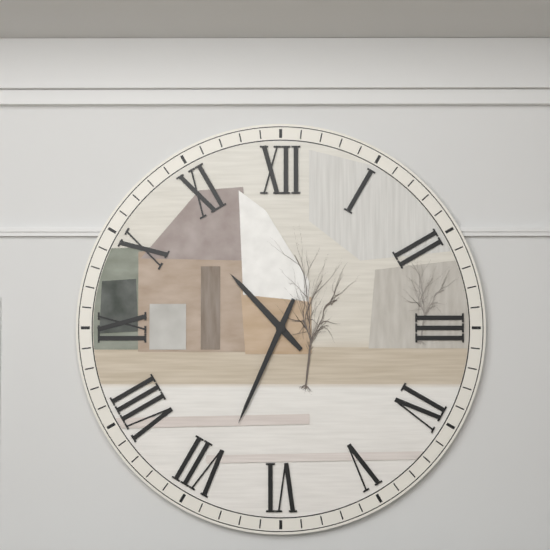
{"hour": 10, "minute": 34}
